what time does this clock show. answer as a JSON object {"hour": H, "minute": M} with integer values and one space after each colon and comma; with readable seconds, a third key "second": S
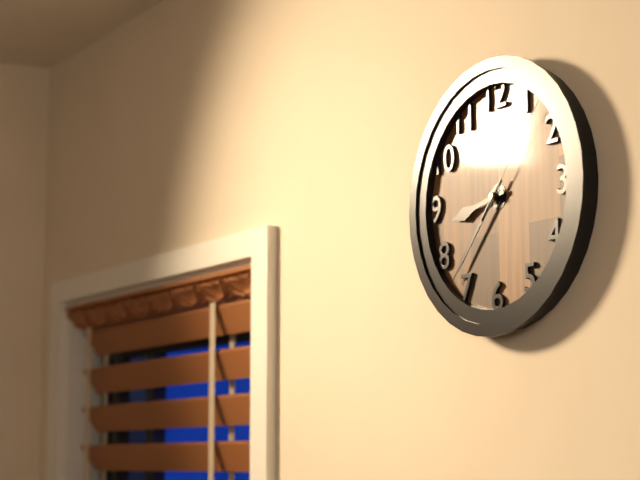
{"hour": 8, "minute": 37, "second": 7}
